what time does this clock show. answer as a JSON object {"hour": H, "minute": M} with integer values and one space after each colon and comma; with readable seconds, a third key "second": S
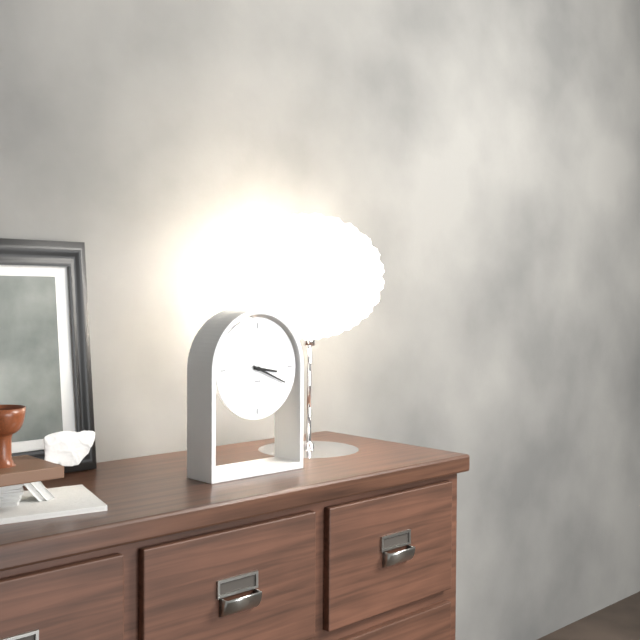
{"hour": 3, "minute": 19}
